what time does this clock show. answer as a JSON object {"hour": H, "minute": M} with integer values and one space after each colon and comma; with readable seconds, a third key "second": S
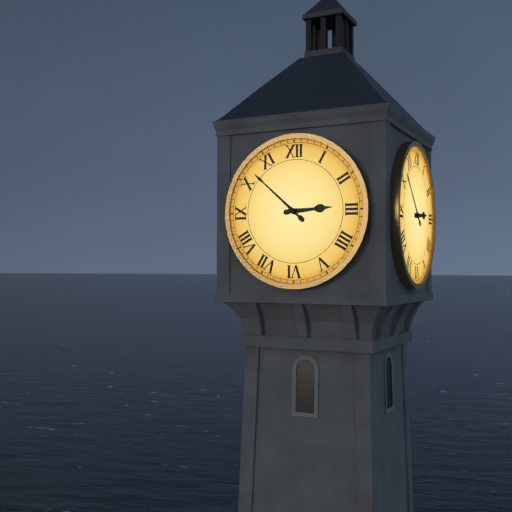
{"hour": 2, "minute": 52}
